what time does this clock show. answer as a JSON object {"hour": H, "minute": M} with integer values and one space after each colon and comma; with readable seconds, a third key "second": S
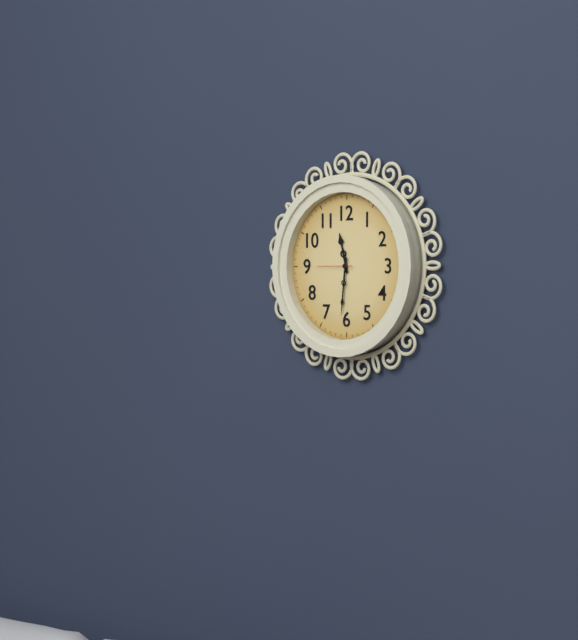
{"hour": 11, "minute": 31}
